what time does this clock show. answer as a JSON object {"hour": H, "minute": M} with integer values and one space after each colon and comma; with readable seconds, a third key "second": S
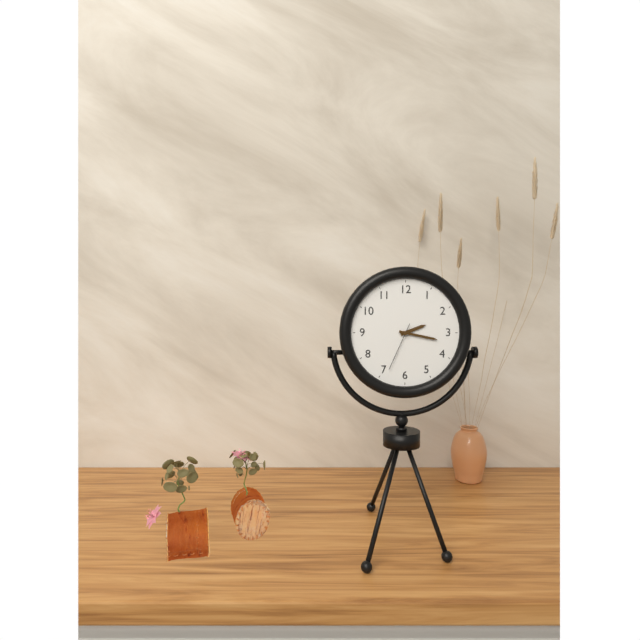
{"hour": 2, "minute": 17}
